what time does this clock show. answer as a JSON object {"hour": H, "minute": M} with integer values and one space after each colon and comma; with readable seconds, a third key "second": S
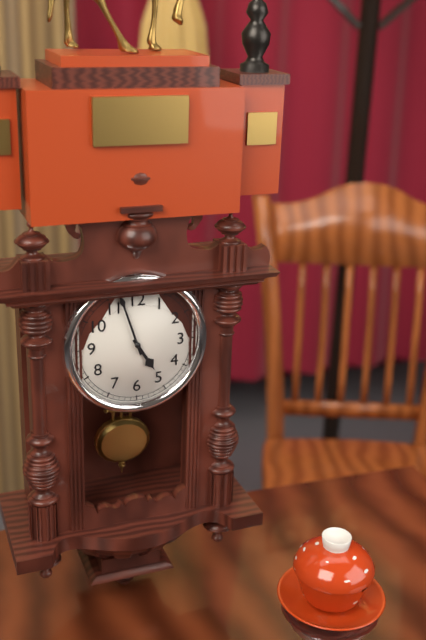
{"hour": 4, "minute": 57}
